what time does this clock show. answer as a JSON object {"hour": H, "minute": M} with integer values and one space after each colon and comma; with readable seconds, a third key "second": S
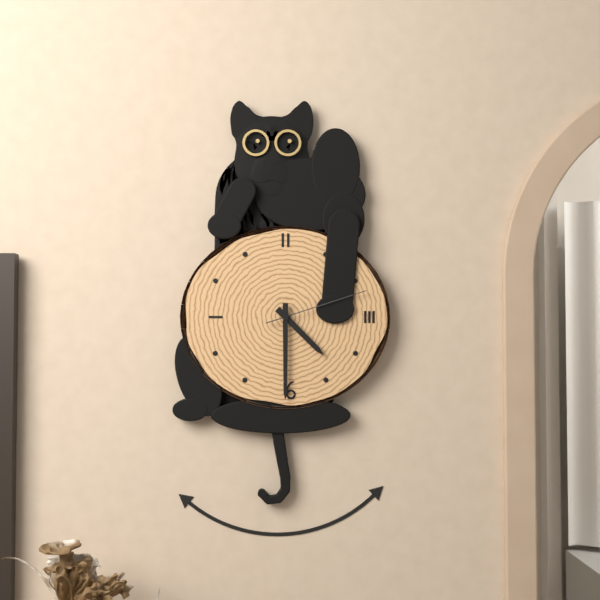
{"hour": 4, "minute": 30, "second": 12}
